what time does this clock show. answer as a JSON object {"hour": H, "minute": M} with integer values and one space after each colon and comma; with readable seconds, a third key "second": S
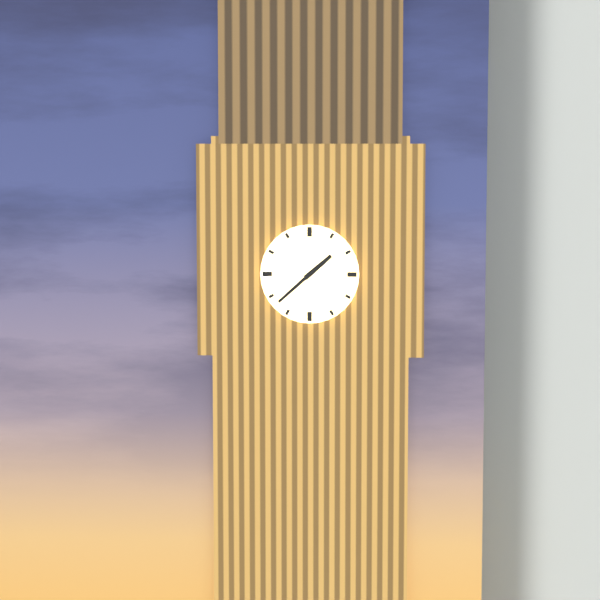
{"hour": 1, "minute": 38}
